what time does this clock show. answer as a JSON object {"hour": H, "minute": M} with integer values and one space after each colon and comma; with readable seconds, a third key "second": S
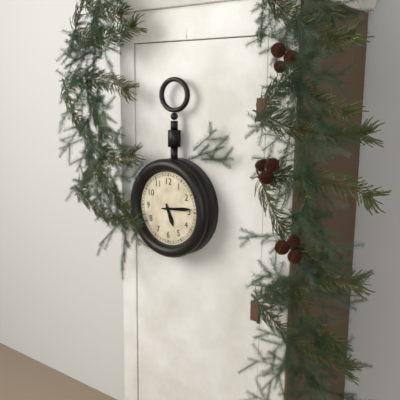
{"hour": 5, "minute": 14}
